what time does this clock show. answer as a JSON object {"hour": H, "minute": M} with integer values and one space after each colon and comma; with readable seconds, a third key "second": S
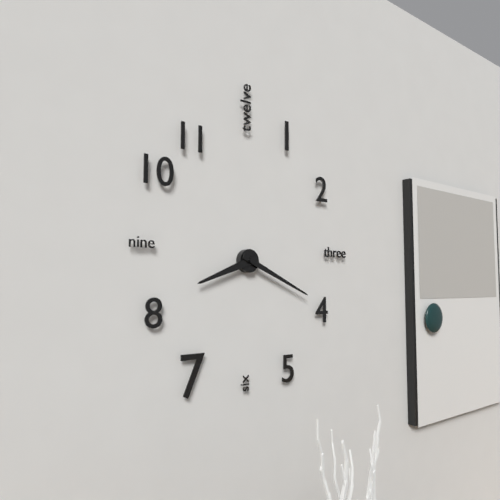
{"hour": 8, "minute": 19}
